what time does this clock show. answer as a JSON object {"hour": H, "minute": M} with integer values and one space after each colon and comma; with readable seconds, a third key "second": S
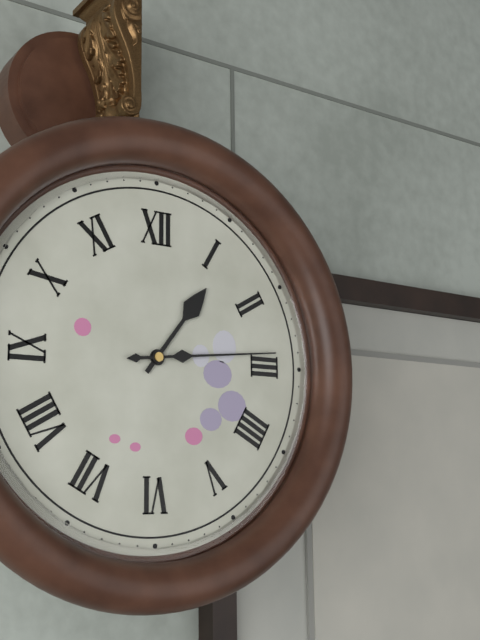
{"hour": 1, "minute": 14}
